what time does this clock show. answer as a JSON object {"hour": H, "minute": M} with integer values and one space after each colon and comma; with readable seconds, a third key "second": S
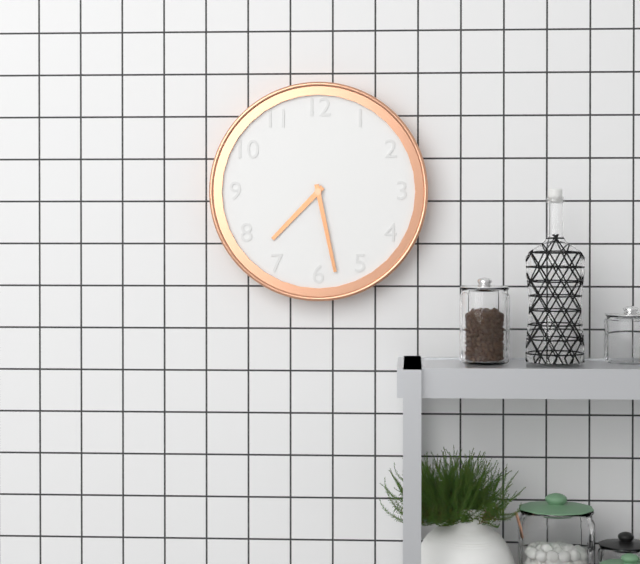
{"hour": 7, "minute": 28}
